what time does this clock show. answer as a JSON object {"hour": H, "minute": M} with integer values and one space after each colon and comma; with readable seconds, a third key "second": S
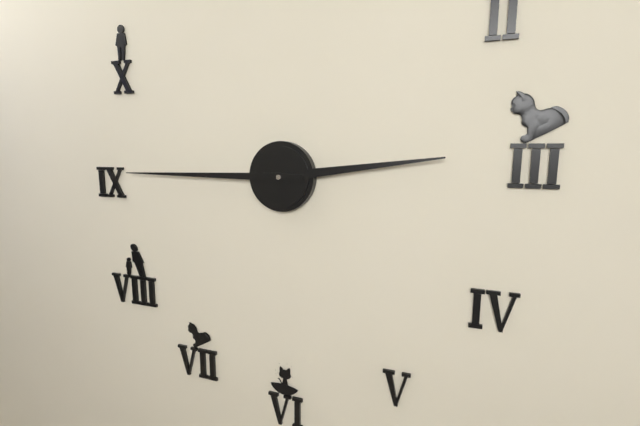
{"hour": 2, "minute": 45}
